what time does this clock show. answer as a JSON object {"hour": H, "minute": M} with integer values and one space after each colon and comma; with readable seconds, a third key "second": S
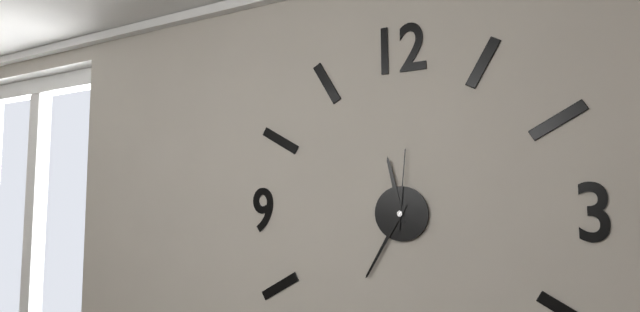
{"hour": 11, "minute": 35, "second": 1}
